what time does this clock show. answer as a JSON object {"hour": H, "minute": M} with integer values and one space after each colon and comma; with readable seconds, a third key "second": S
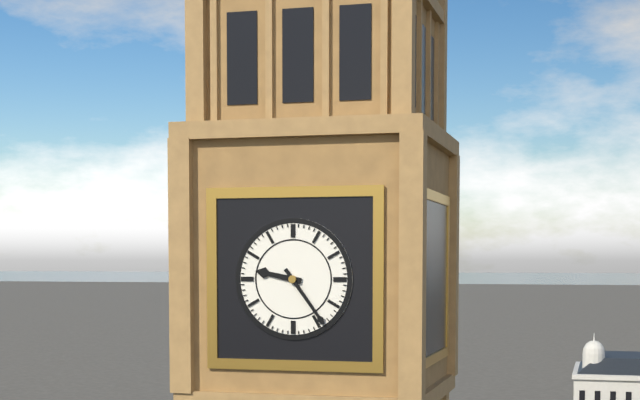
{"hour": 9, "minute": 24}
